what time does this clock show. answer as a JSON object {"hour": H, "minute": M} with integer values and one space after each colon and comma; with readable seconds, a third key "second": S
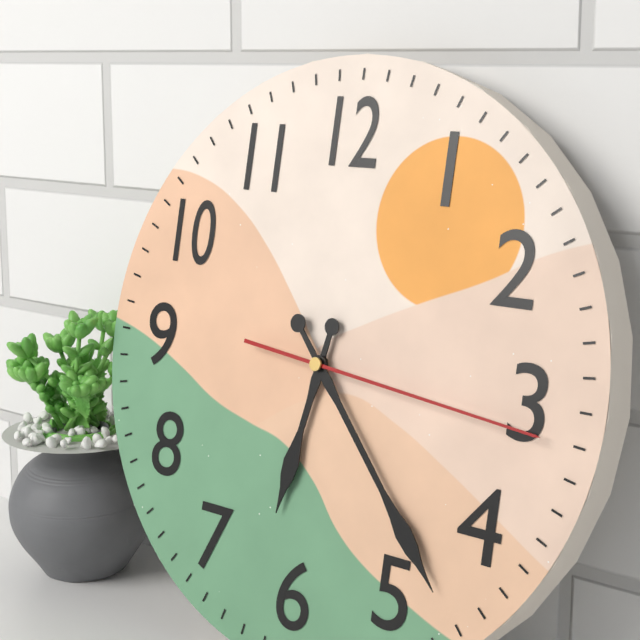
{"hour": 6, "minute": 23, "second": 16}
